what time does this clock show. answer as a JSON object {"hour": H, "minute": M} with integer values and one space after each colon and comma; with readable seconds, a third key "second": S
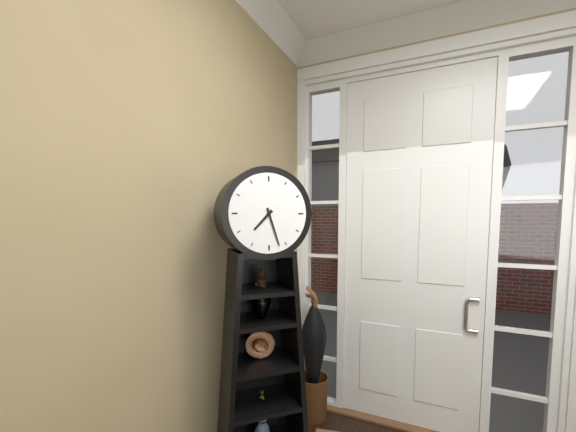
{"hour": 7, "minute": 27}
